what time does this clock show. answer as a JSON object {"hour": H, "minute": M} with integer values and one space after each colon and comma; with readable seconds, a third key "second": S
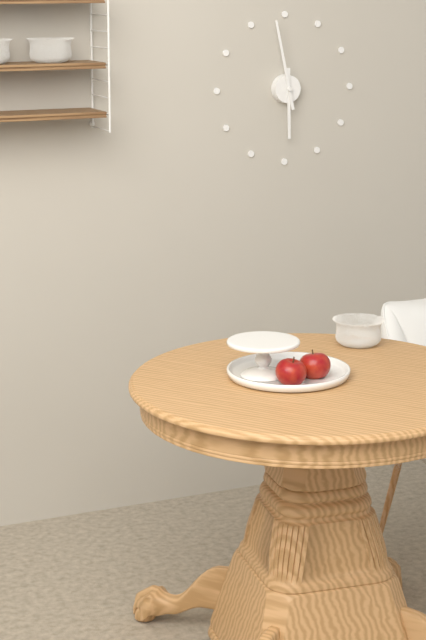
{"hour": 5, "minute": 58}
